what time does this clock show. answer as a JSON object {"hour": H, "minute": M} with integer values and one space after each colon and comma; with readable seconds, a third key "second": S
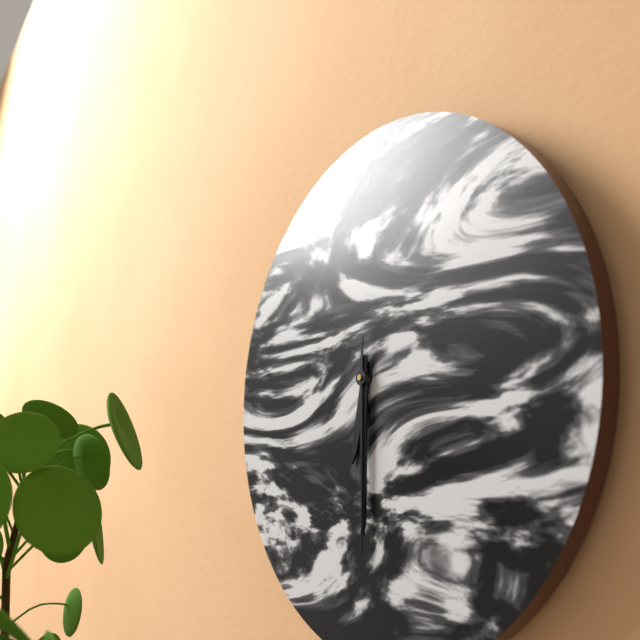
{"hour": 6, "minute": 30, "second": 30}
